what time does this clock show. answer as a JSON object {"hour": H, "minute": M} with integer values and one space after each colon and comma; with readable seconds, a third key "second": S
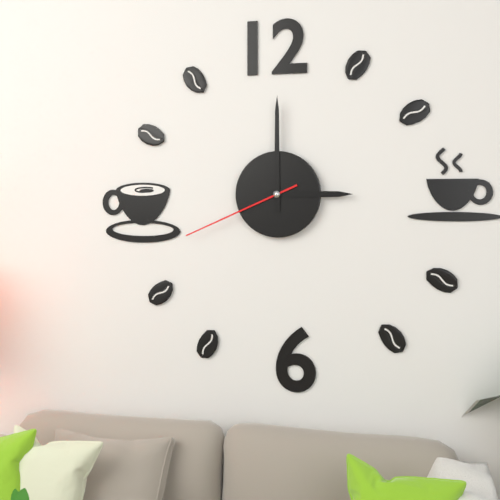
{"hour": 3, "minute": 0, "second": 41}
